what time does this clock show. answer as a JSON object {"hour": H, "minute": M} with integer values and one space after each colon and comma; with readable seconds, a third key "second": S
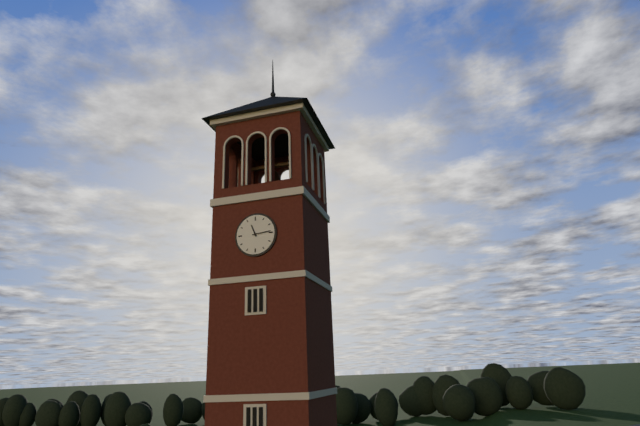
{"hour": 11, "minute": 14}
